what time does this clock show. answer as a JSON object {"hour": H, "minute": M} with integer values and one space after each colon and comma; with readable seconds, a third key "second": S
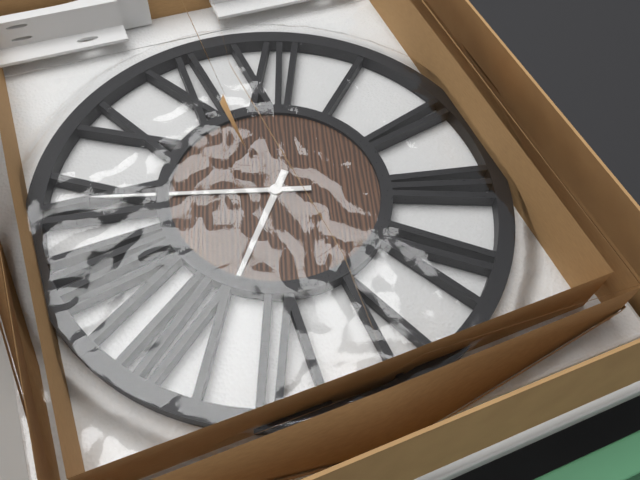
{"hour": 6, "minute": 45}
